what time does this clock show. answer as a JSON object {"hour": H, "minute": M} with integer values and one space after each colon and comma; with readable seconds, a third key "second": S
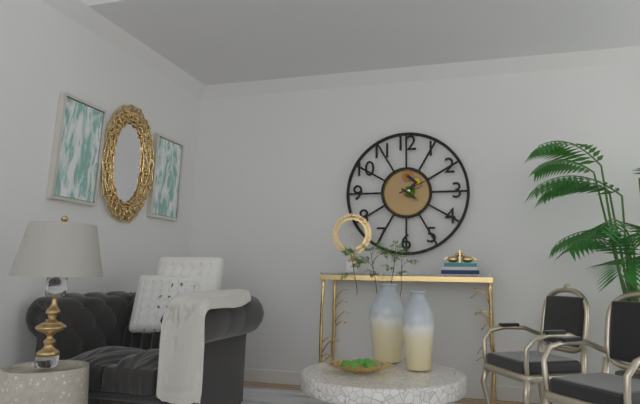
{"hour": 4, "minute": 11}
